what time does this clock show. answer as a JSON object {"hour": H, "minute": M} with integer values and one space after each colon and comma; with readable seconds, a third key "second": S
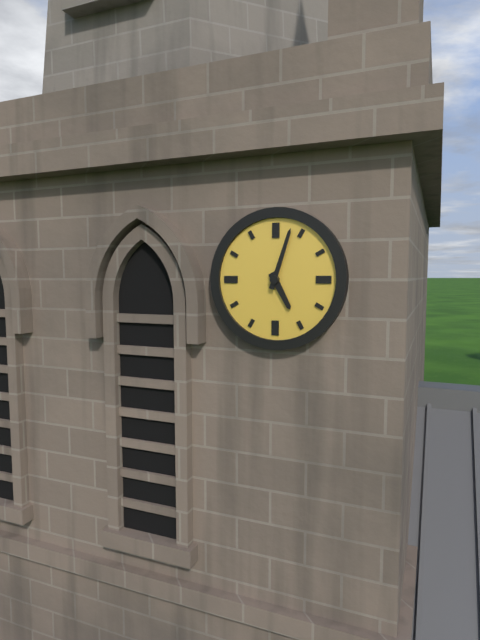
{"hour": 5, "minute": 3}
